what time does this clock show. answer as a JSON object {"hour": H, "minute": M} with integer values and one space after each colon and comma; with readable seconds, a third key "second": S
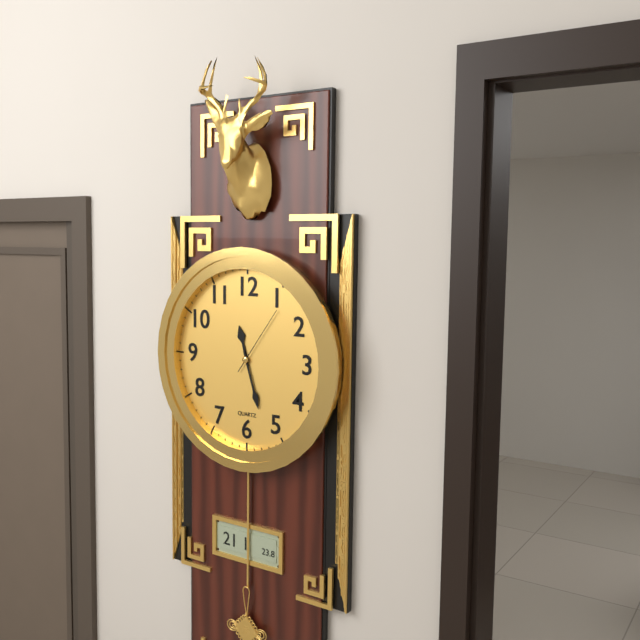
{"hour": 11, "minute": 27, "second": 6}
